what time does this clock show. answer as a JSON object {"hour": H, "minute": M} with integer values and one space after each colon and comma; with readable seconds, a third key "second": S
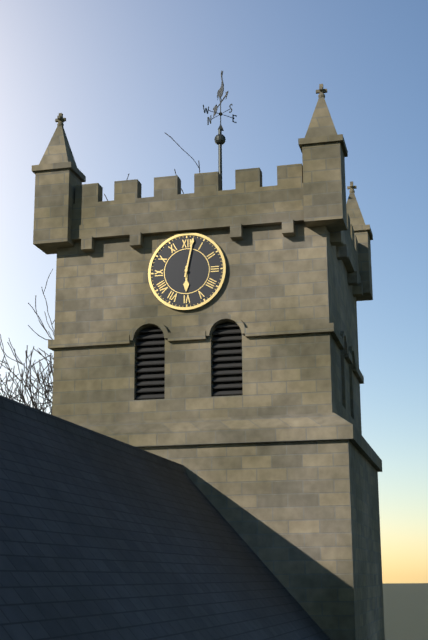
{"hour": 6, "minute": 2}
